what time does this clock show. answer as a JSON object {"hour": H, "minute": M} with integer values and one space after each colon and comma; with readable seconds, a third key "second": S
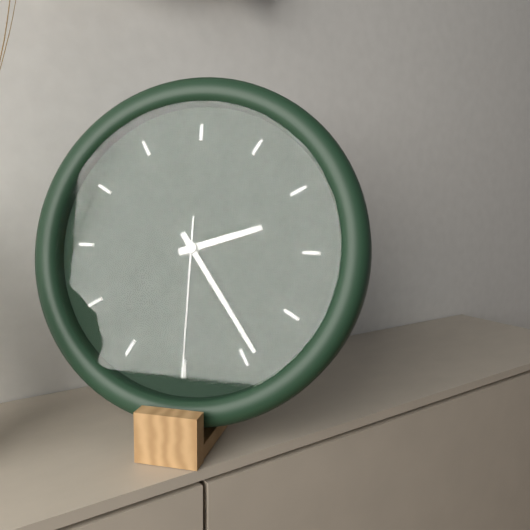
{"hour": 2, "minute": 24, "second": 30}
